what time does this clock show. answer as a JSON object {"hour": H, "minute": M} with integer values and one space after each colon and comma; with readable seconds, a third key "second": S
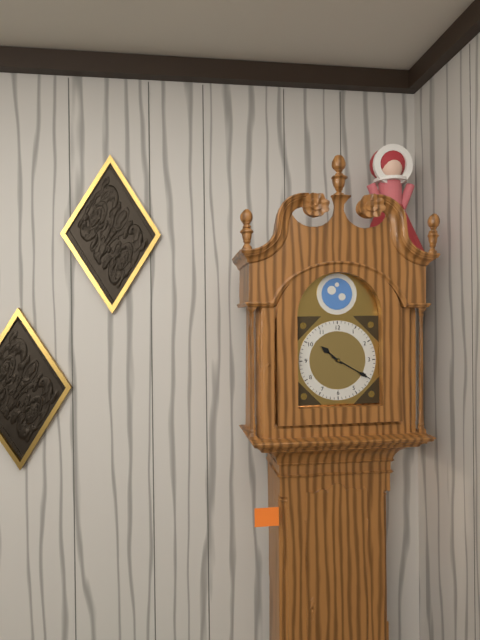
{"hour": 10, "minute": 20}
